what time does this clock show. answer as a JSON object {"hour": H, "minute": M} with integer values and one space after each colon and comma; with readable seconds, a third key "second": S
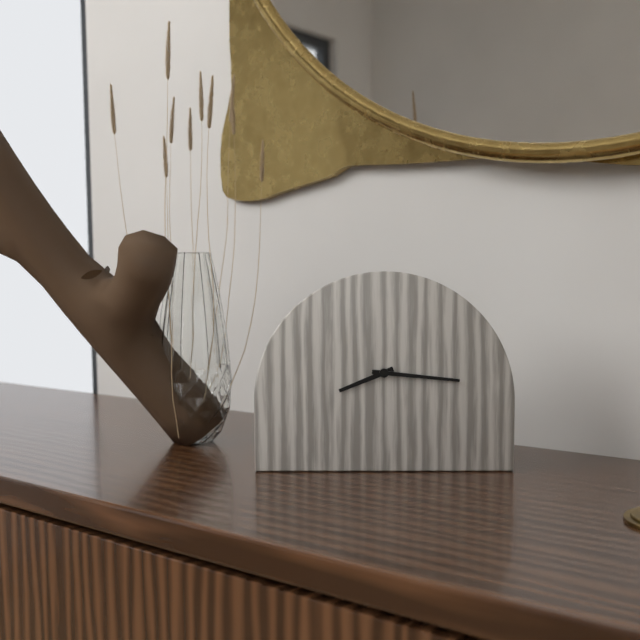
{"hour": 8, "minute": 16}
